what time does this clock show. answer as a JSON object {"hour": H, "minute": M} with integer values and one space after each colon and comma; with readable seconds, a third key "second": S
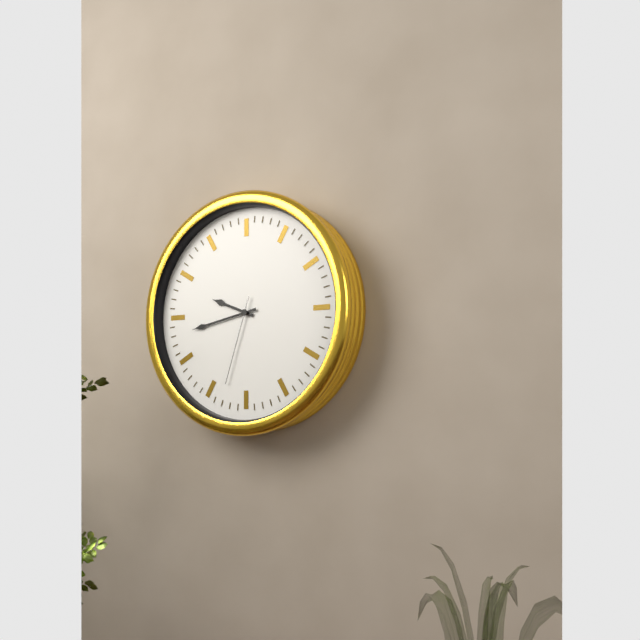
{"hour": 9, "minute": 43, "second": 33}
